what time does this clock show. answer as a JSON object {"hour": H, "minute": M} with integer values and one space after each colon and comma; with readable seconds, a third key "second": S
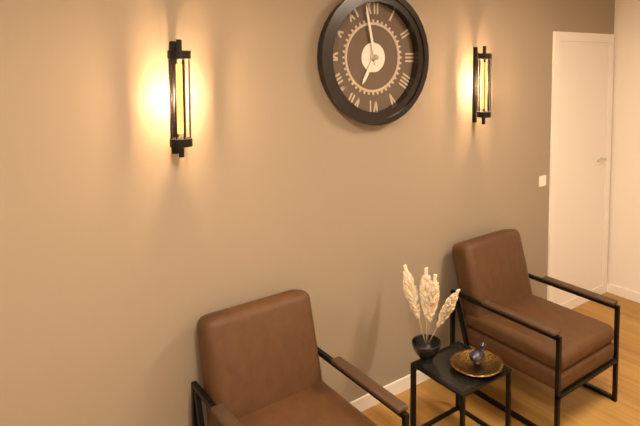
{"hour": 6, "minute": 58}
